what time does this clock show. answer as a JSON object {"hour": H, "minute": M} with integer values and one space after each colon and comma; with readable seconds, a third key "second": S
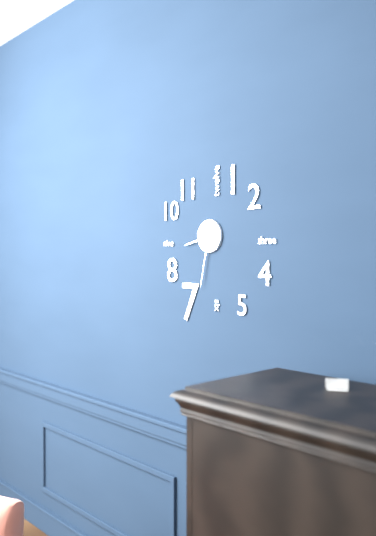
{"hour": 8, "minute": 32}
